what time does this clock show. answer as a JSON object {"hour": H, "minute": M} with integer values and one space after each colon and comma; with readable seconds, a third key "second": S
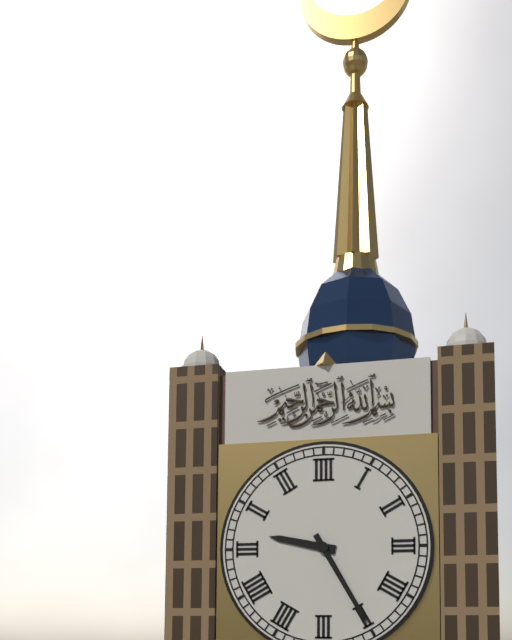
{"hour": 9, "minute": 25}
